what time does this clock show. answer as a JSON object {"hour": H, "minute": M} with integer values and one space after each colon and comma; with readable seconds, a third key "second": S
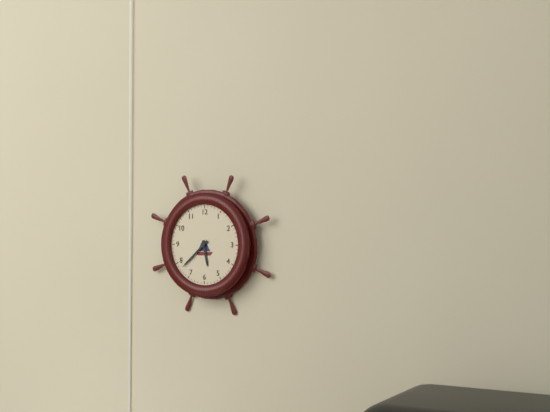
{"hour": 5, "minute": 38}
